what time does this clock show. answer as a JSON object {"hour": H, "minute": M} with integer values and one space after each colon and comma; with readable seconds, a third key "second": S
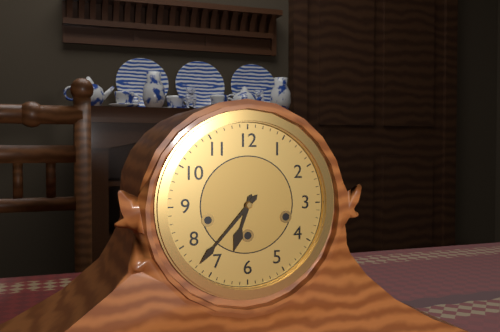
{"hour": 6, "minute": 37}
